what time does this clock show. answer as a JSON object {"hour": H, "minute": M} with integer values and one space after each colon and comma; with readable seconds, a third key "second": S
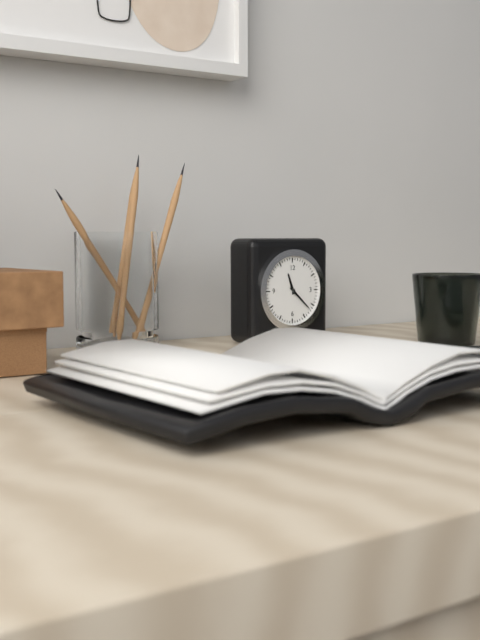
{"hour": 11, "minute": 22}
